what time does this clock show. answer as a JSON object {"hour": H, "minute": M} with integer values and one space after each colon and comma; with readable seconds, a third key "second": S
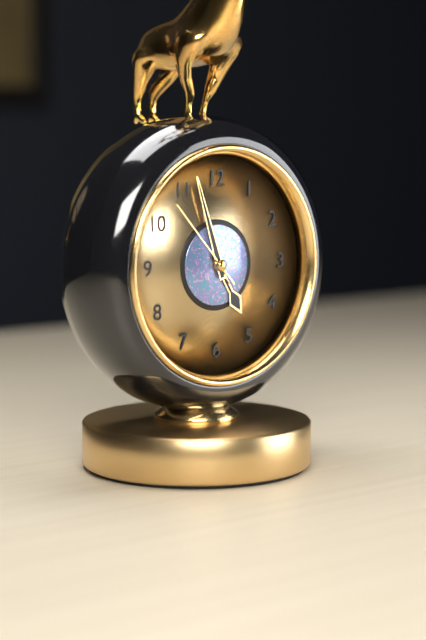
{"hour": 4, "minute": 57, "second": 53}
